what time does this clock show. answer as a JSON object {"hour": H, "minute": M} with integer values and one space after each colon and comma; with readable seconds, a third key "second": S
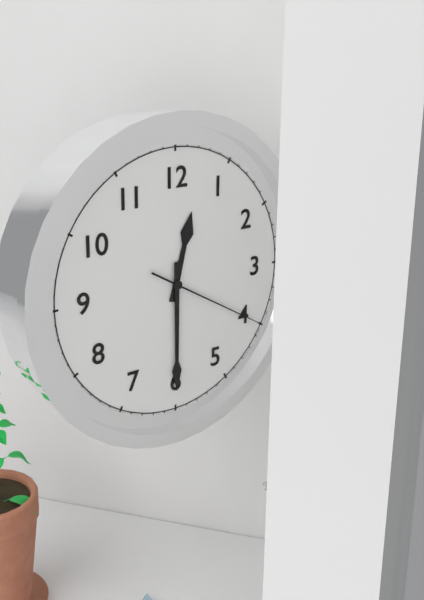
{"hour": 12, "minute": 30, "second": 20}
